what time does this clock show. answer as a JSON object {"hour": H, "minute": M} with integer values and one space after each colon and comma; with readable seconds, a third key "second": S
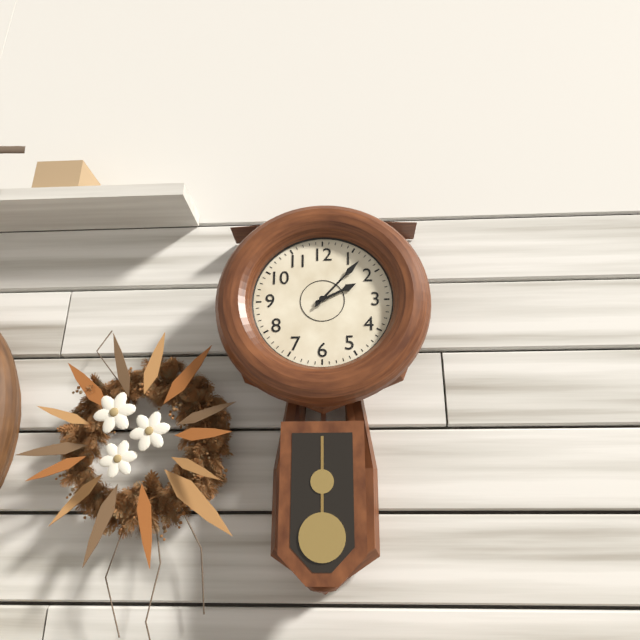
{"hour": 2, "minute": 7}
